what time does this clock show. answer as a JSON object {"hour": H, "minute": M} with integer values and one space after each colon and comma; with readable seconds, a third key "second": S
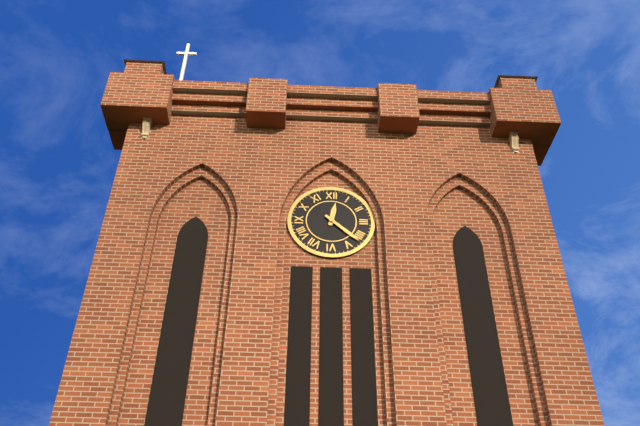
{"hour": 12, "minute": 22}
